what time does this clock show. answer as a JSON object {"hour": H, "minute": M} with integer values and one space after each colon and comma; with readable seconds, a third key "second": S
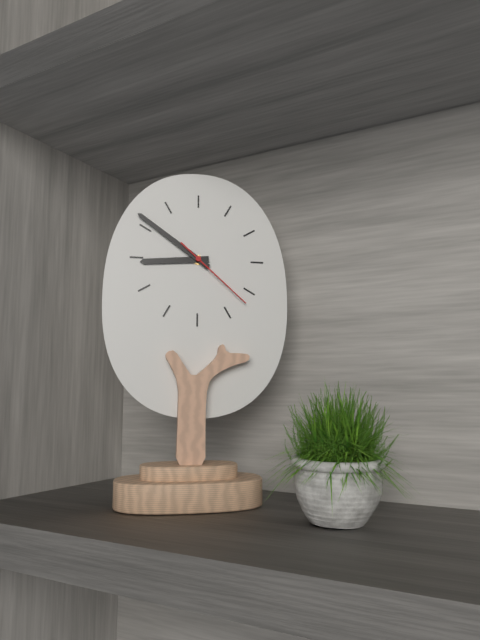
{"hour": 8, "minute": 51, "second": 22}
